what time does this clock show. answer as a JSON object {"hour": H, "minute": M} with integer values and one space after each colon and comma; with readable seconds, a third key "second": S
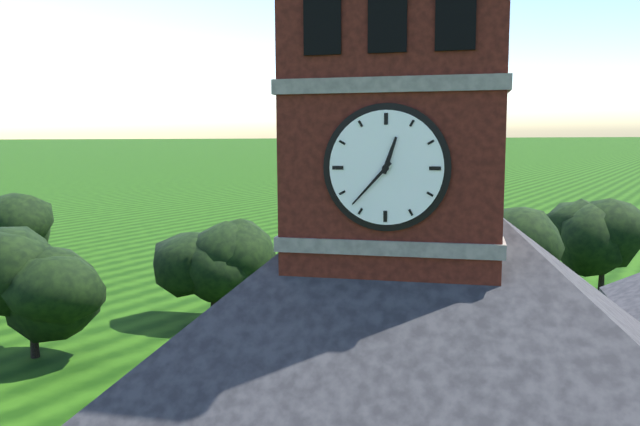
{"hour": 12, "minute": 37}
